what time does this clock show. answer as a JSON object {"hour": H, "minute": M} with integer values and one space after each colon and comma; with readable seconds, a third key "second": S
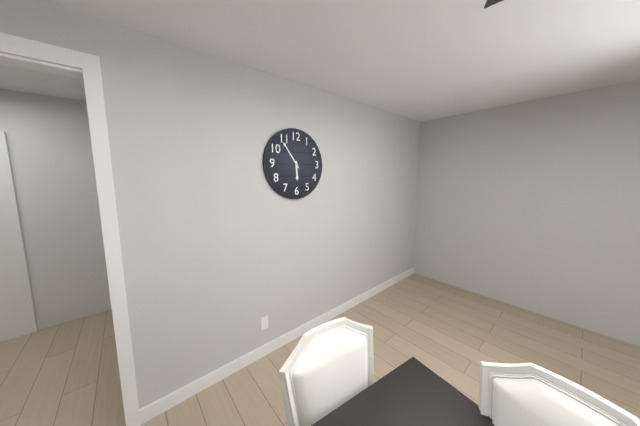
{"hour": 5, "minute": 54}
